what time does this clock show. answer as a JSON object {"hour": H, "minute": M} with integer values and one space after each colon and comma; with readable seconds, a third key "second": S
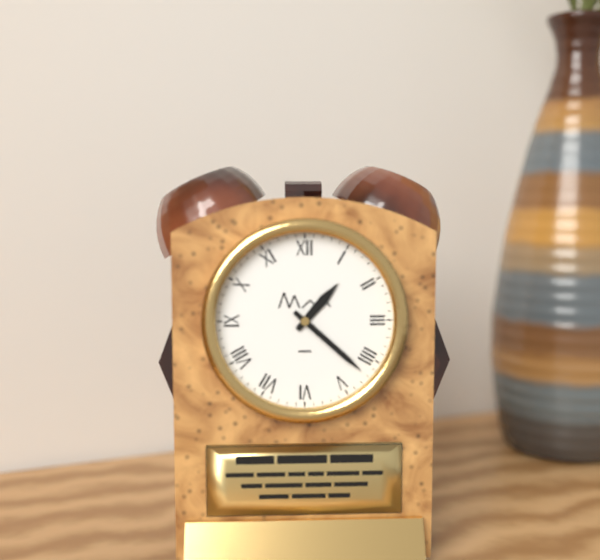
{"hour": 1, "minute": 22}
